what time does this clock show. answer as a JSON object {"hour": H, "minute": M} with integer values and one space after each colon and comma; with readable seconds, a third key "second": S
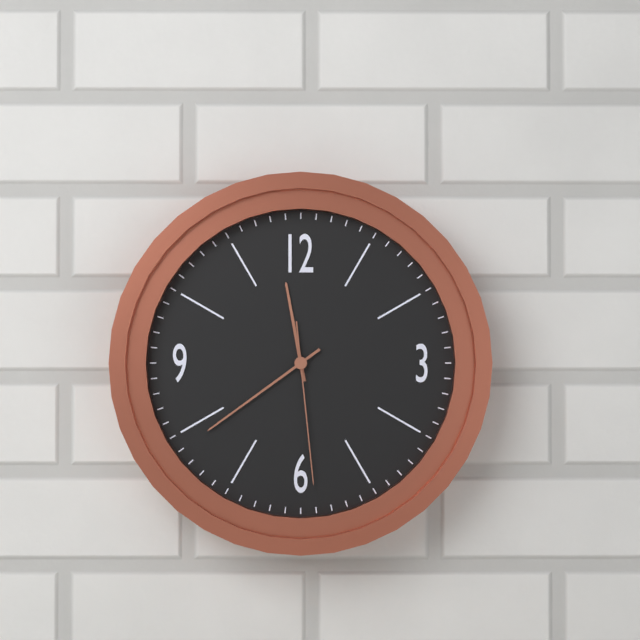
{"hour": 11, "minute": 39, "second": 29}
